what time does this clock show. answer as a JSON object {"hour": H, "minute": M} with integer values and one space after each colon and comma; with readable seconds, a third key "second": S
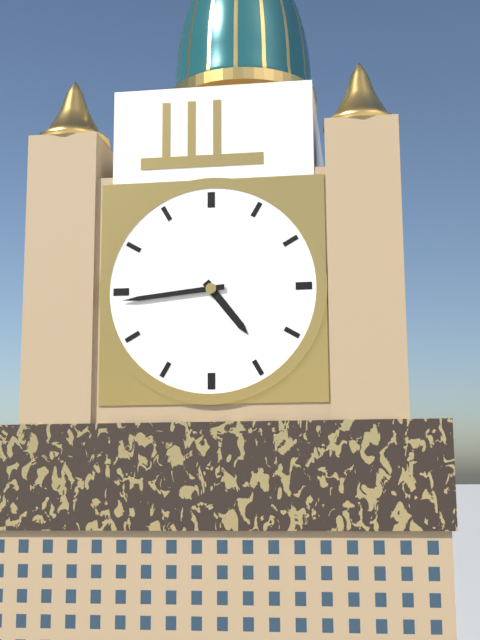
{"hour": 4, "minute": 44}
